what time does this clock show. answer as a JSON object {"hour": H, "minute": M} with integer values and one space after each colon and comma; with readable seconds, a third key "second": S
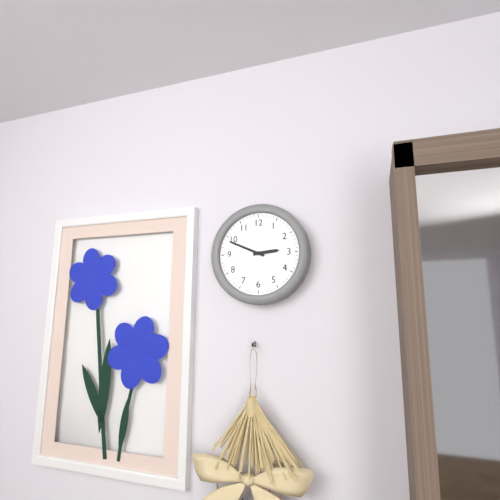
{"hour": 2, "minute": 49}
